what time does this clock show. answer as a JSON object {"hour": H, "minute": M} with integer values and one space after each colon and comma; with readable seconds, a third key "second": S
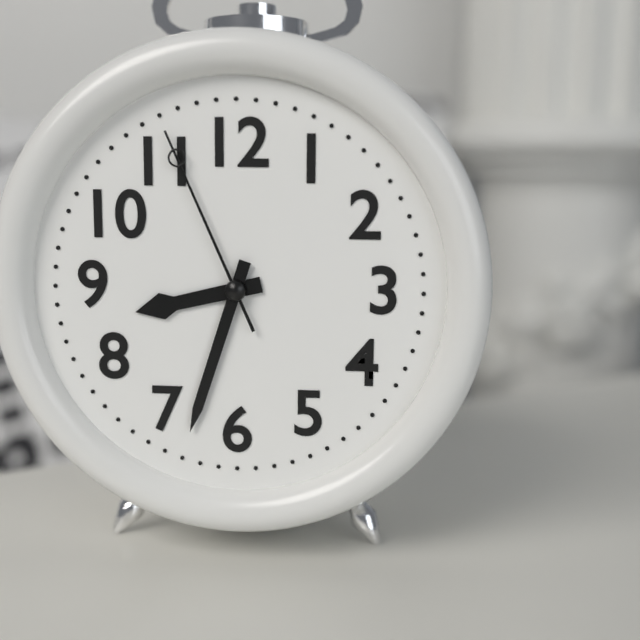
{"hour": 8, "minute": 33, "second": 56}
